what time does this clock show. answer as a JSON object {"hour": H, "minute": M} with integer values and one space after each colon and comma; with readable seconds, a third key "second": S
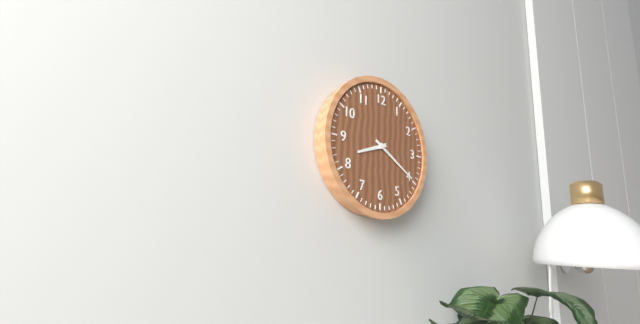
{"hour": 8, "minute": 20}
